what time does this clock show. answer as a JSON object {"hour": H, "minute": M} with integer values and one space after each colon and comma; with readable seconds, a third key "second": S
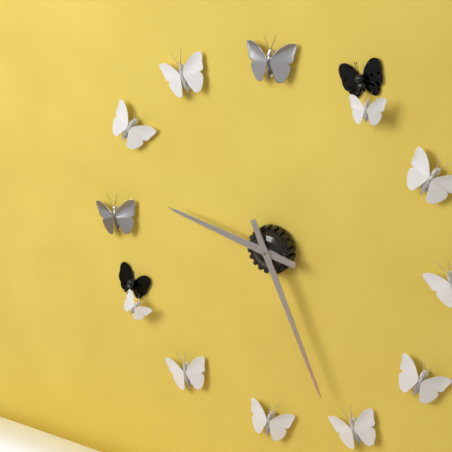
{"hour": 9, "minute": 26}
